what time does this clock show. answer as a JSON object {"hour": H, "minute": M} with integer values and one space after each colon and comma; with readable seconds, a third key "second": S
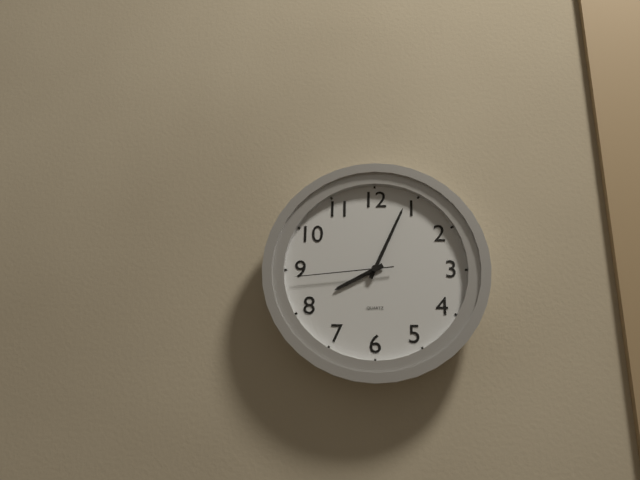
{"hour": 8, "minute": 4, "second": 44}
